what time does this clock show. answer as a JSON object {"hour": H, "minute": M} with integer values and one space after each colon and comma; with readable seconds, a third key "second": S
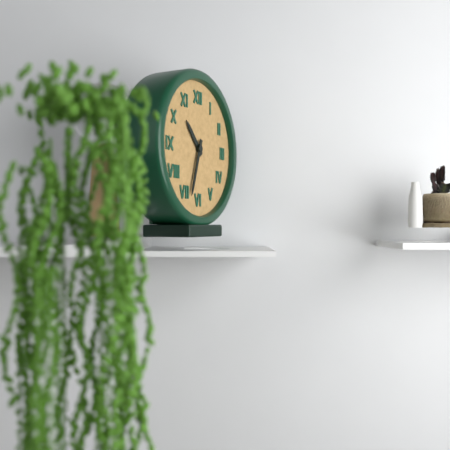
{"hour": 10, "minute": 33}
